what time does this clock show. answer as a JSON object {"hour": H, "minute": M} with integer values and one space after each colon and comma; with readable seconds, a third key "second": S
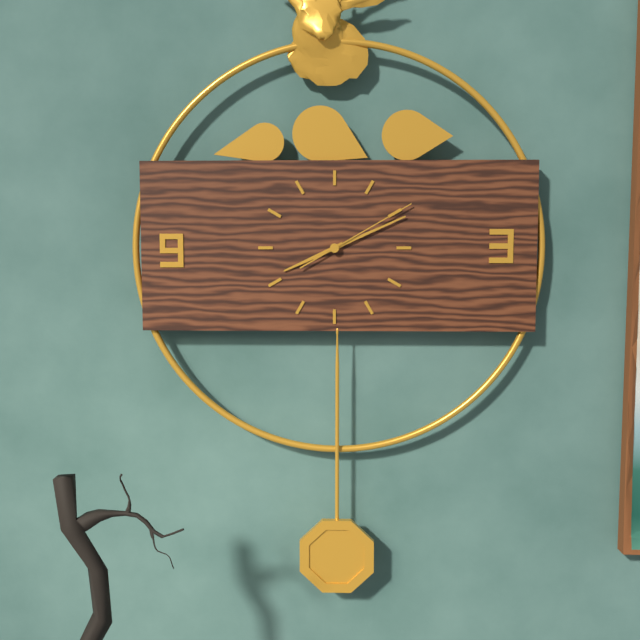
{"hour": 8, "minute": 11, "second": 10}
